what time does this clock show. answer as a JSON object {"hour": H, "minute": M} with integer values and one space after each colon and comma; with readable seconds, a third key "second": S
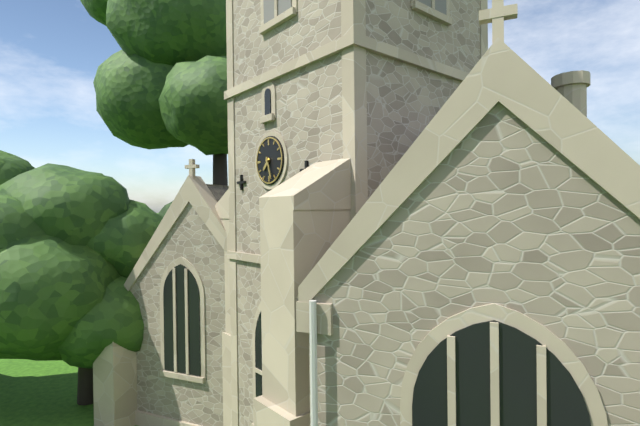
{"hour": 7, "minute": 27}
